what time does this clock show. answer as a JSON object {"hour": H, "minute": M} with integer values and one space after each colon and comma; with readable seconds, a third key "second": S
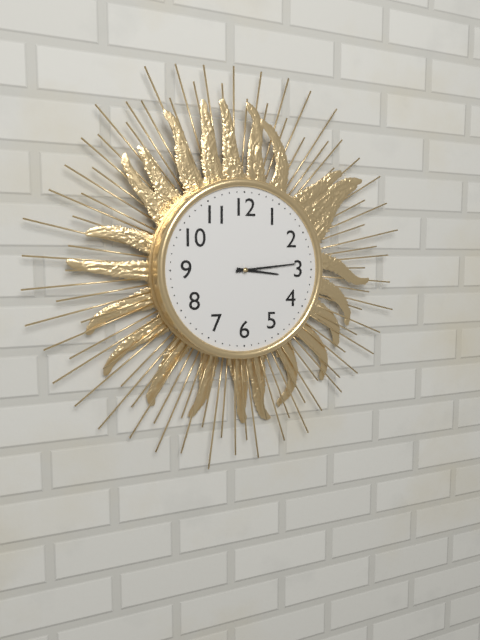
{"hour": 3, "minute": 14}
